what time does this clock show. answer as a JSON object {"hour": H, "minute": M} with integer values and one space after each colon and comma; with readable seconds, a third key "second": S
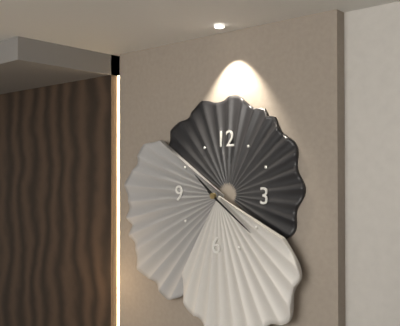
{"hour": 10, "minute": 21}
